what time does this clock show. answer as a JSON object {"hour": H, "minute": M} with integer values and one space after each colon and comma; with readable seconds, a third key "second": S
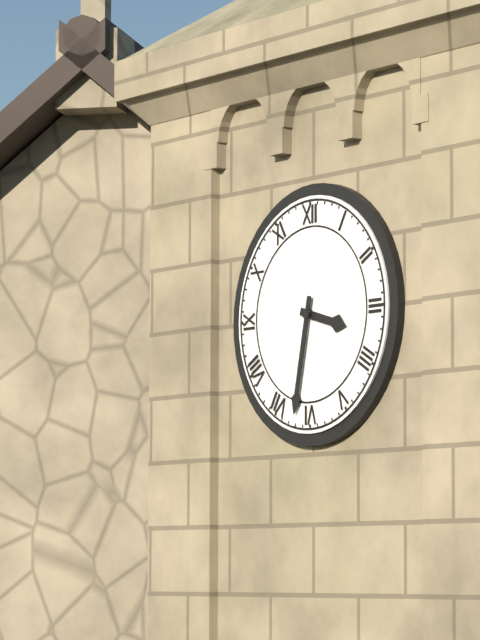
{"hour": 3, "minute": 32}
